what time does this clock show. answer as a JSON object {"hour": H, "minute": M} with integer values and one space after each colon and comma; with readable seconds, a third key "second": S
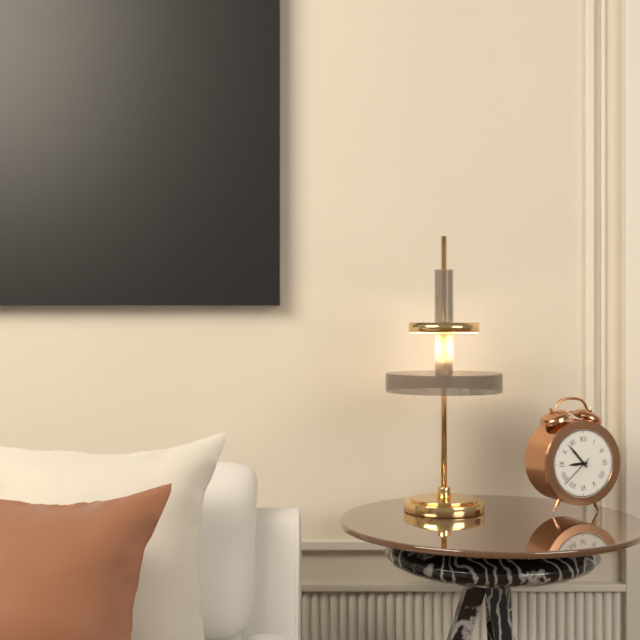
{"hour": 8, "minute": 53}
